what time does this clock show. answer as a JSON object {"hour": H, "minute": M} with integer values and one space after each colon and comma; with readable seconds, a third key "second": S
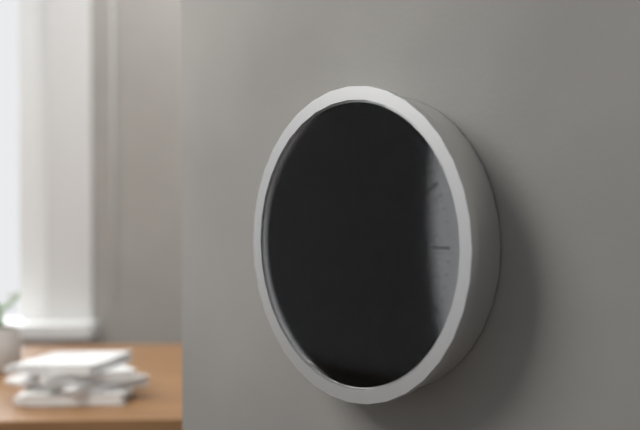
{"hour": 5, "minute": 42}
